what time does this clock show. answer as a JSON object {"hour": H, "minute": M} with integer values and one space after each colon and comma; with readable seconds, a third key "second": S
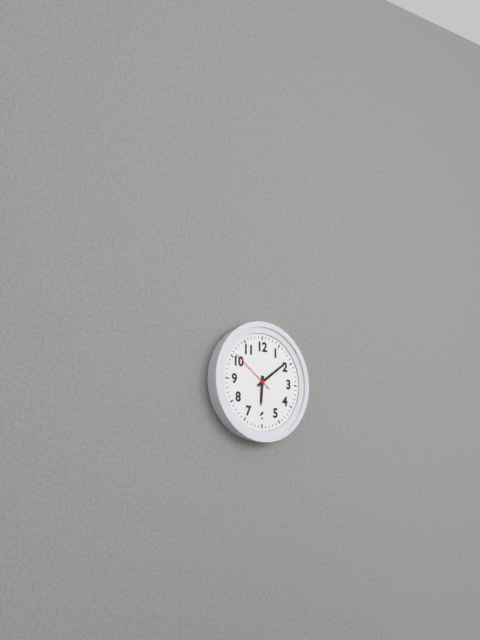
{"hour": 6, "minute": 9}
